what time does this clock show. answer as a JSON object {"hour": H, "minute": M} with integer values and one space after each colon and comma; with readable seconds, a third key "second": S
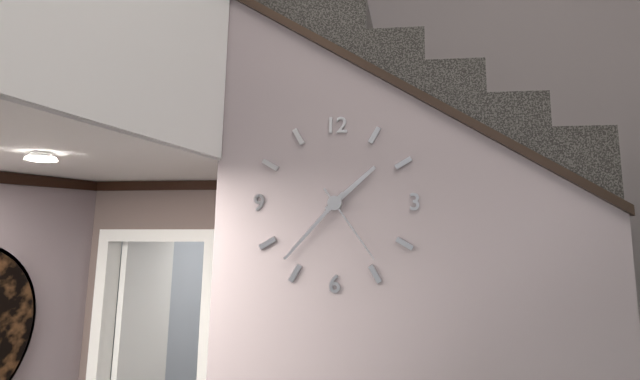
{"hour": 1, "minute": 37, "second": 24}
